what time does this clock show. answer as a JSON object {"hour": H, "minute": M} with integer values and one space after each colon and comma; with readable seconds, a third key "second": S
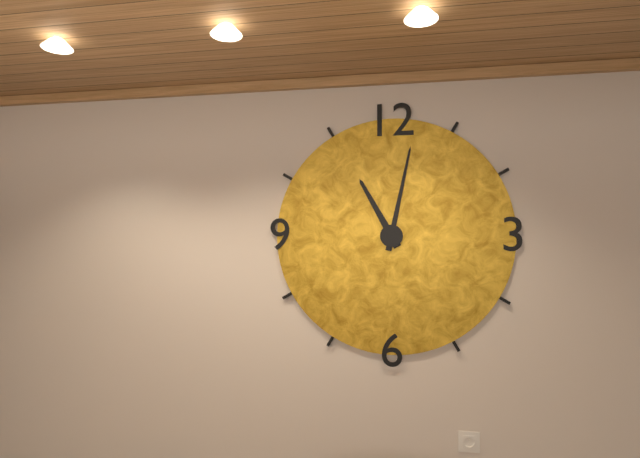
{"hour": 11, "minute": 2}
